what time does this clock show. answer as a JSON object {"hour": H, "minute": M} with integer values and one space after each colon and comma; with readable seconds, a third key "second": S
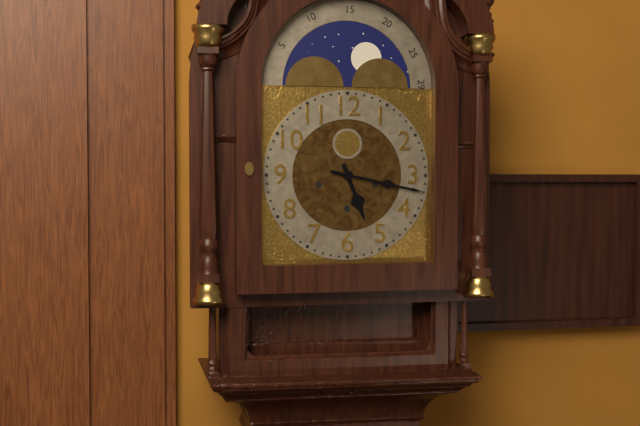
{"hour": 5, "minute": 17}
